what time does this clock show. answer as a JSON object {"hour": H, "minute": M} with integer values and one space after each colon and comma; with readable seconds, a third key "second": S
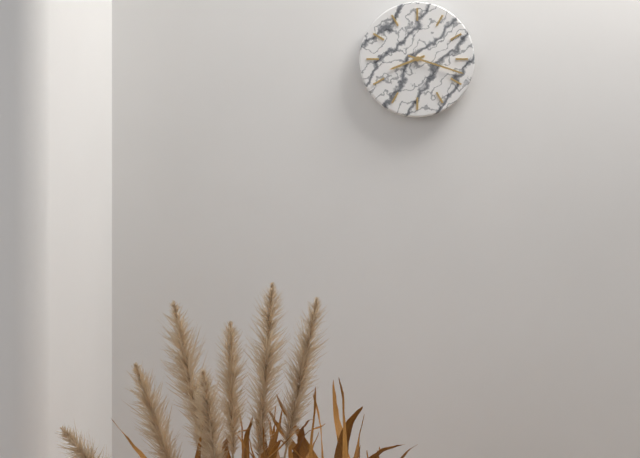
{"hour": 8, "minute": 18}
